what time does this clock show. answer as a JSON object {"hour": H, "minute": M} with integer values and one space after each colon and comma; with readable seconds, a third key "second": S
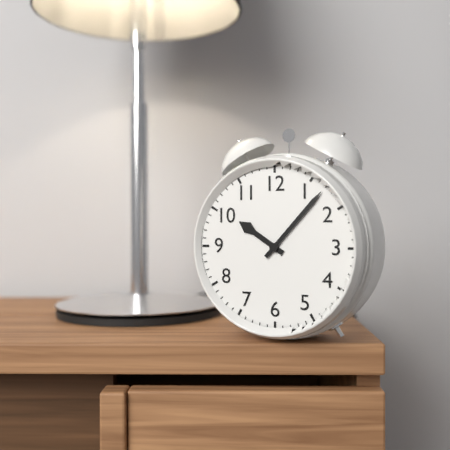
{"hour": 10, "minute": 7}
